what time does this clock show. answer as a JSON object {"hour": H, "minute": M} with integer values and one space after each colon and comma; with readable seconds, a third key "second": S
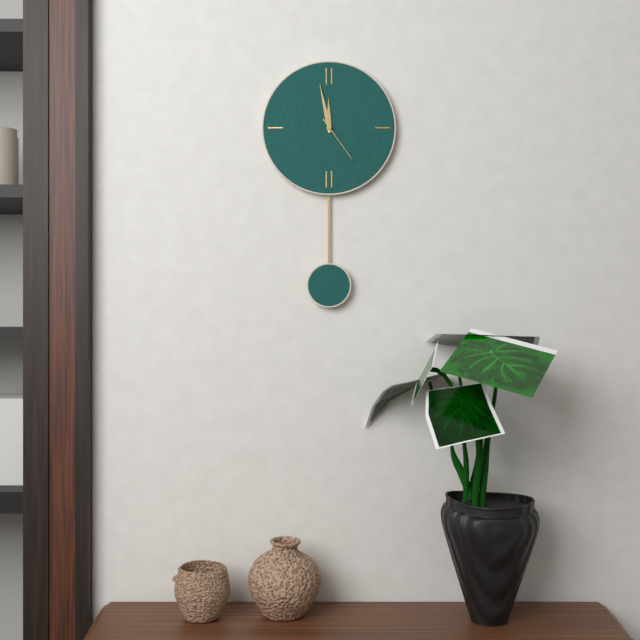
{"hour": 11, "minute": 58}
